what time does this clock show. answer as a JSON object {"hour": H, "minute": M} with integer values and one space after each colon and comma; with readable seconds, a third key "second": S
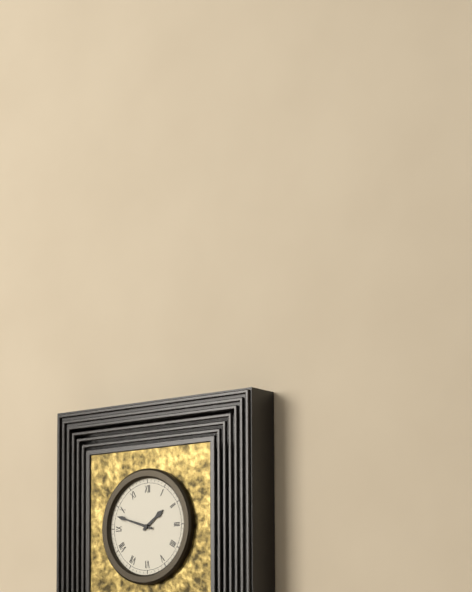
{"hour": 1, "minute": 48}
